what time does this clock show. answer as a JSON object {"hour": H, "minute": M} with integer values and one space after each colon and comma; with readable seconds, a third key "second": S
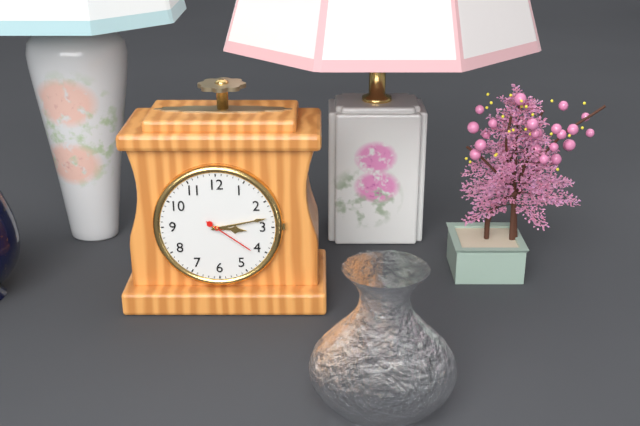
{"hour": 3, "minute": 13, "second": 21}
